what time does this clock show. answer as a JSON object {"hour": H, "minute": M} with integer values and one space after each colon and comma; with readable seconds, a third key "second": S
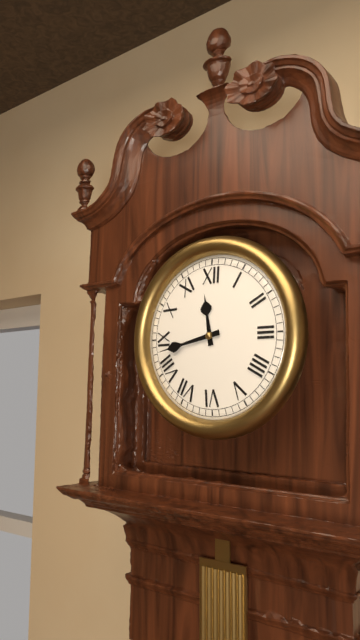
{"hour": 11, "minute": 43}
